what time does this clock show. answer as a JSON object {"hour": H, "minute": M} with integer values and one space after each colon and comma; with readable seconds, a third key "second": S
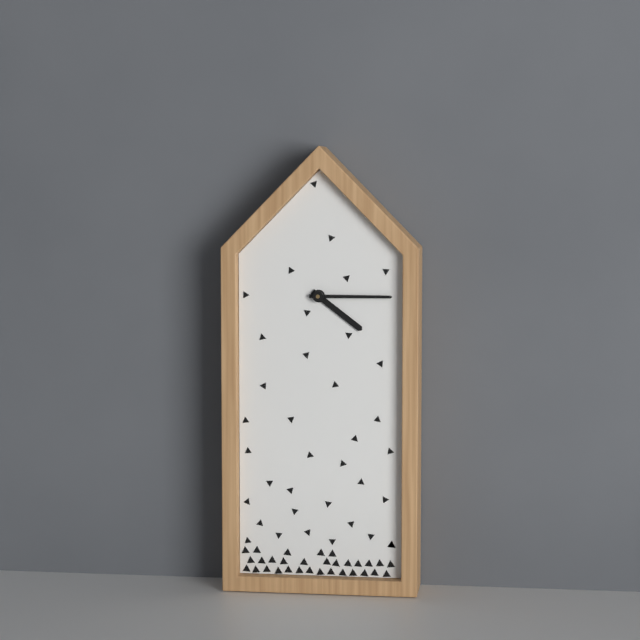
{"hour": 4, "minute": 15}
